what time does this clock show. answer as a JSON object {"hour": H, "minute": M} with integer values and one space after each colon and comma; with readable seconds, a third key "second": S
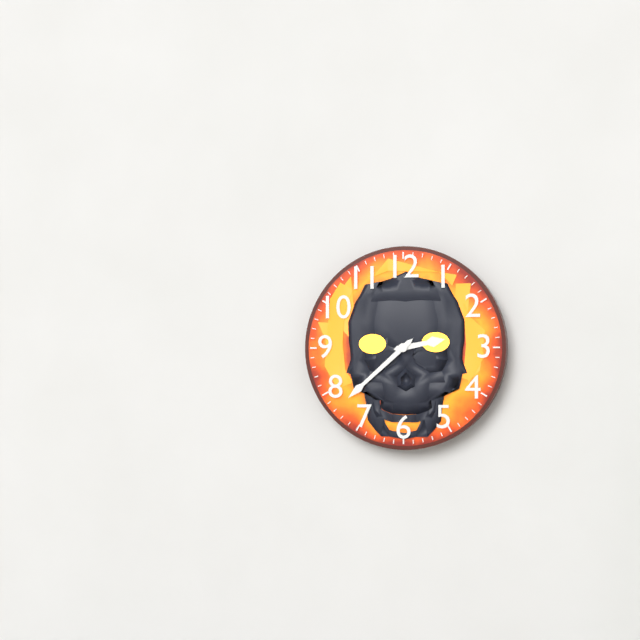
{"hour": 2, "minute": 38}
